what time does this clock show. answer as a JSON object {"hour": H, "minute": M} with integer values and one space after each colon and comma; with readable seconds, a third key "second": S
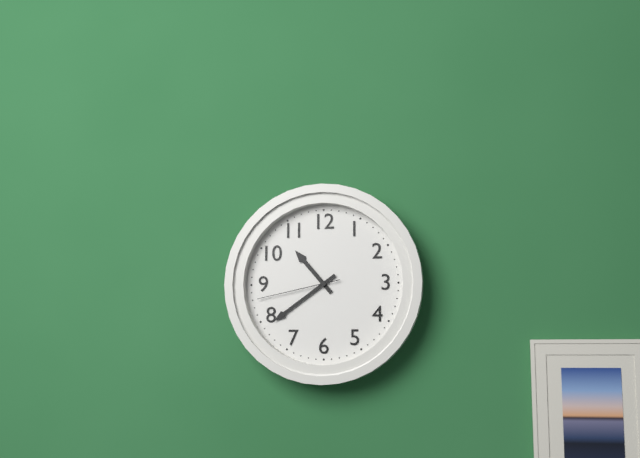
{"hour": 10, "minute": 39, "second": 43}
